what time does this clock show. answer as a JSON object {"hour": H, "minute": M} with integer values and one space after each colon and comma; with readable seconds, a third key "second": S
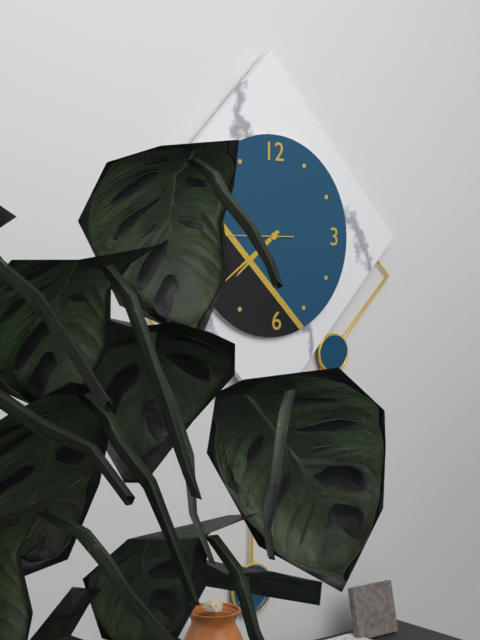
{"hour": 7, "minute": 39, "second": 45}
